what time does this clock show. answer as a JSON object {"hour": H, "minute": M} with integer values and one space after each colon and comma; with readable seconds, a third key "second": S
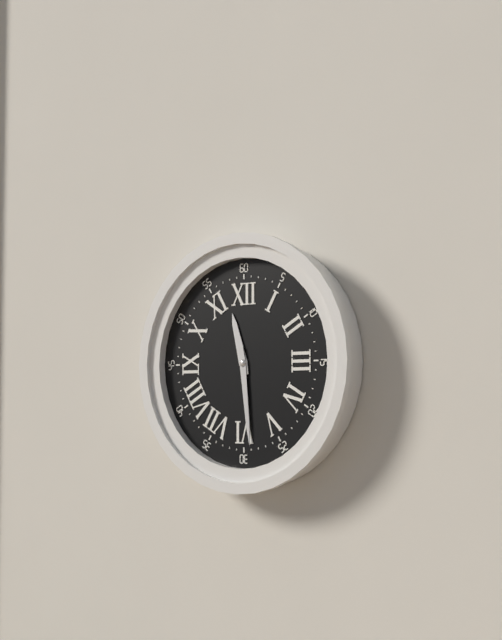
{"hour": 11, "minute": 29}
